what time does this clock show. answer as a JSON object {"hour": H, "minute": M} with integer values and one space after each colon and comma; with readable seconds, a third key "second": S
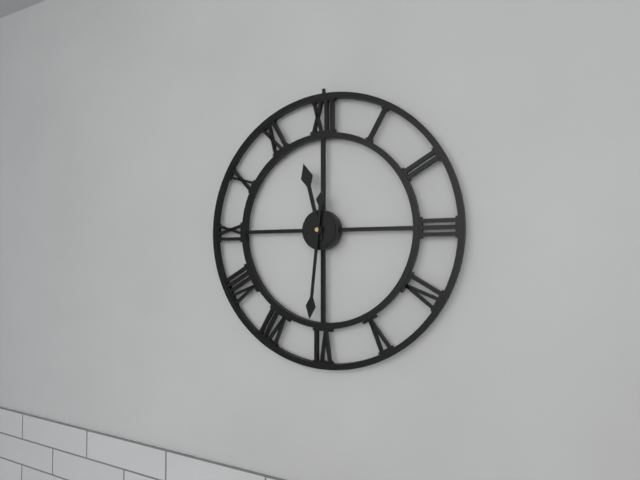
{"hour": 11, "minute": 31}
